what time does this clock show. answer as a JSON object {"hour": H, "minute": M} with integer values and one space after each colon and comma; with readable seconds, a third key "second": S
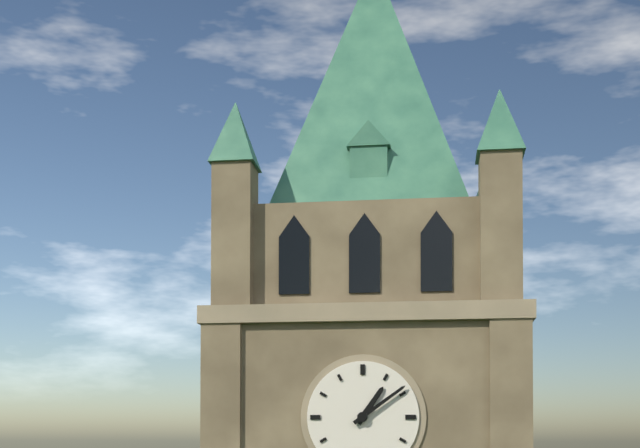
{"hour": 1, "minute": 9}
